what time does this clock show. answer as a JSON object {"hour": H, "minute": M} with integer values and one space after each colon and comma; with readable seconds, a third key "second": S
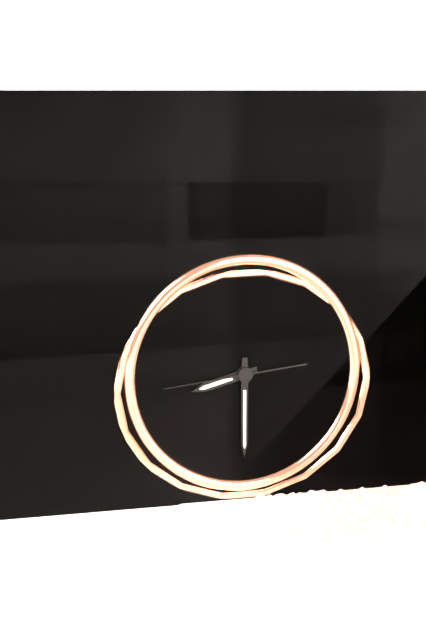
{"hour": 8, "minute": 30, "second": 44}
